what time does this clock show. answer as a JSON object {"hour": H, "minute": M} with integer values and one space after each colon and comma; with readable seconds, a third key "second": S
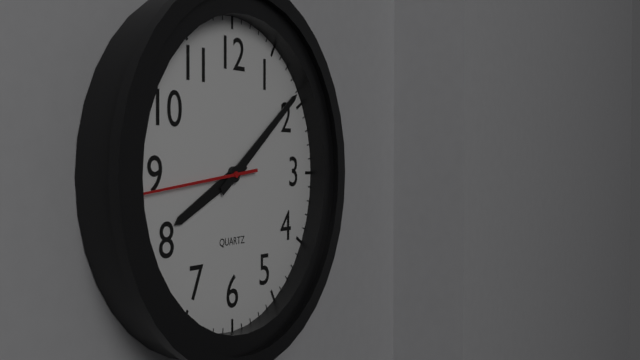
{"hour": 8, "minute": 9, "second": 44}
